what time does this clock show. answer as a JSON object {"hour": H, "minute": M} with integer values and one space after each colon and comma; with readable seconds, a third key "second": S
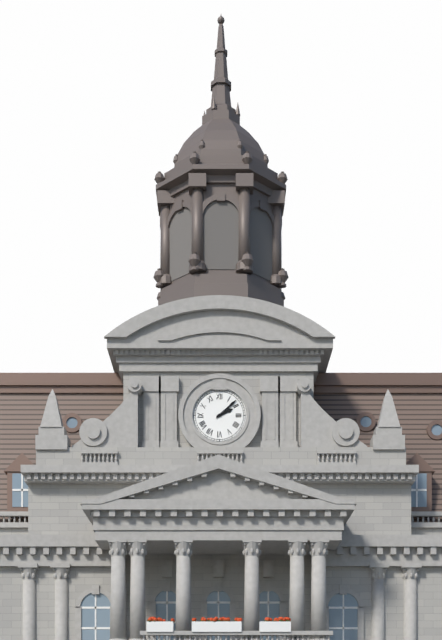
{"hour": 2, "minute": 8}
